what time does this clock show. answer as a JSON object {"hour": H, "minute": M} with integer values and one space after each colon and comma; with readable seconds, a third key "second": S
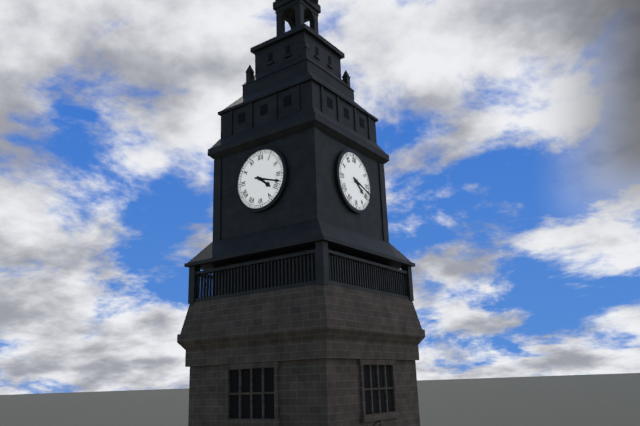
{"hour": 4, "minute": 18}
